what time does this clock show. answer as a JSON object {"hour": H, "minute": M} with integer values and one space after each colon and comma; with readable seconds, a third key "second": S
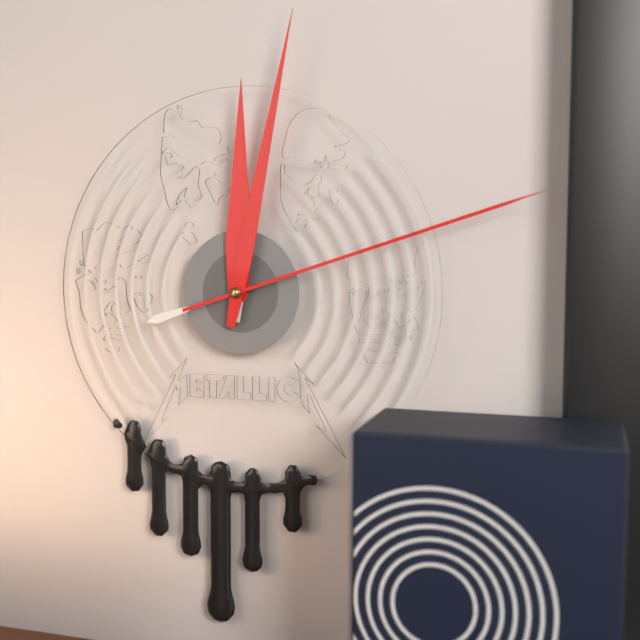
{"hour": 12, "minute": 2, "second": 12}
